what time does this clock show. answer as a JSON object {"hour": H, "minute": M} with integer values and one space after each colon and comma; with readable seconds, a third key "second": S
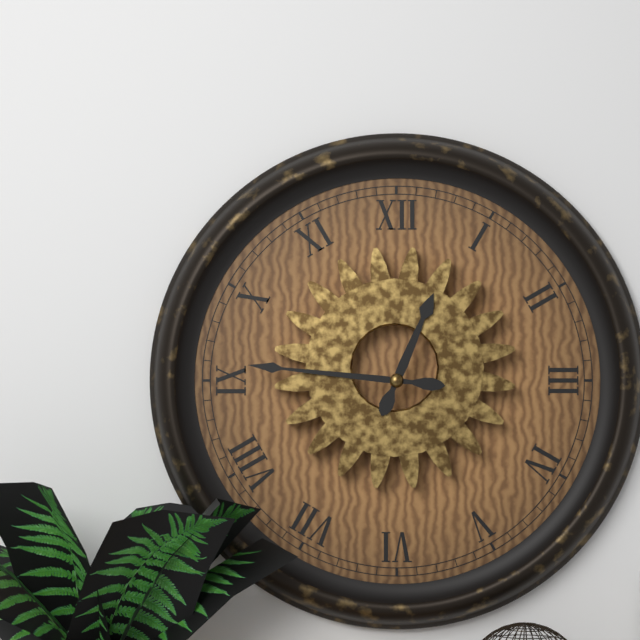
{"hour": 12, "minute": 46}
